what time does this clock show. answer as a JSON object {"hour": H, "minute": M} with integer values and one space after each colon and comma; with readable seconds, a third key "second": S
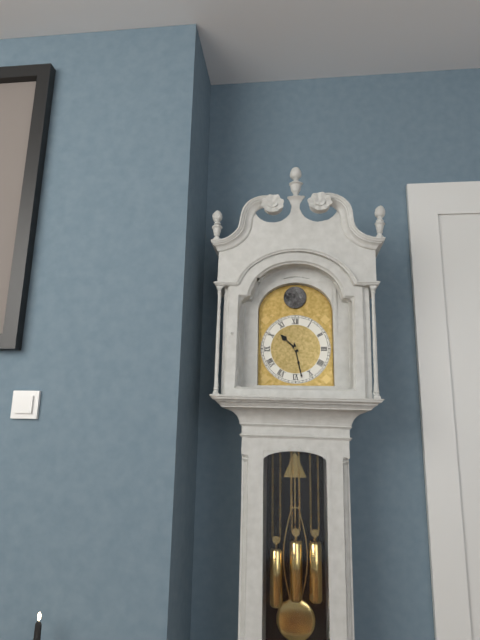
{"hour": 10, "minute": 28}
